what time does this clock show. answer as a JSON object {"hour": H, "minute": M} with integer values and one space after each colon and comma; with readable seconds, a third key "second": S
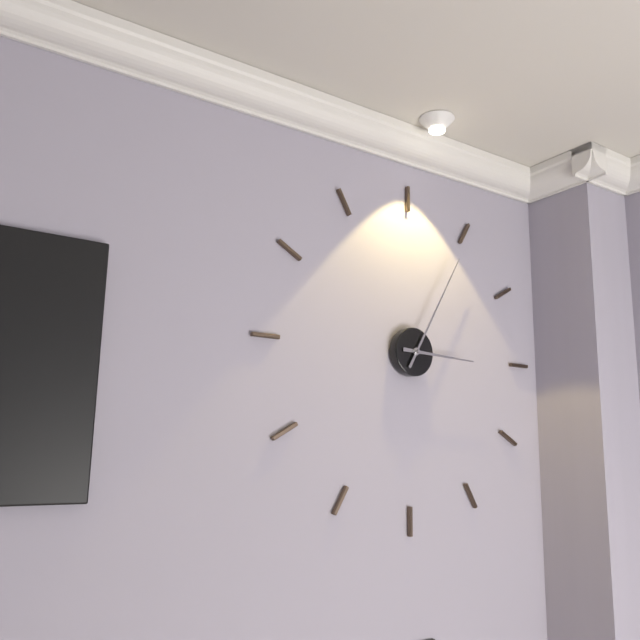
{"hour": 3, "minute": 5}
